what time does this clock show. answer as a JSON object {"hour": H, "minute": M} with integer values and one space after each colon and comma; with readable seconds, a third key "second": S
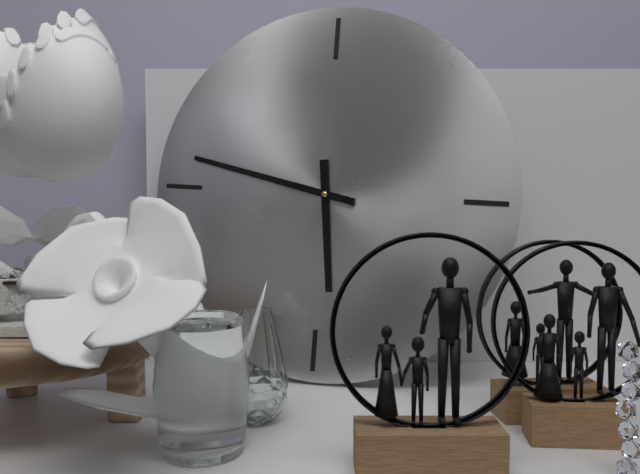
{"hour": 5, "minute": 47}
